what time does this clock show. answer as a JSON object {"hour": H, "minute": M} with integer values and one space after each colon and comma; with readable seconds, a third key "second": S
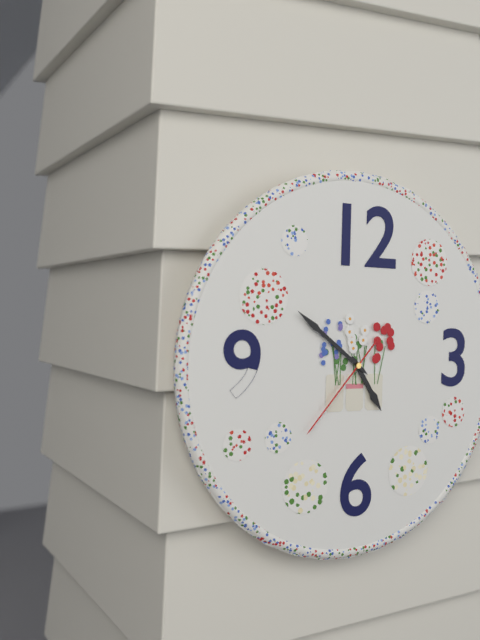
{"hour": 4, "minute": 51, "second": 37}
